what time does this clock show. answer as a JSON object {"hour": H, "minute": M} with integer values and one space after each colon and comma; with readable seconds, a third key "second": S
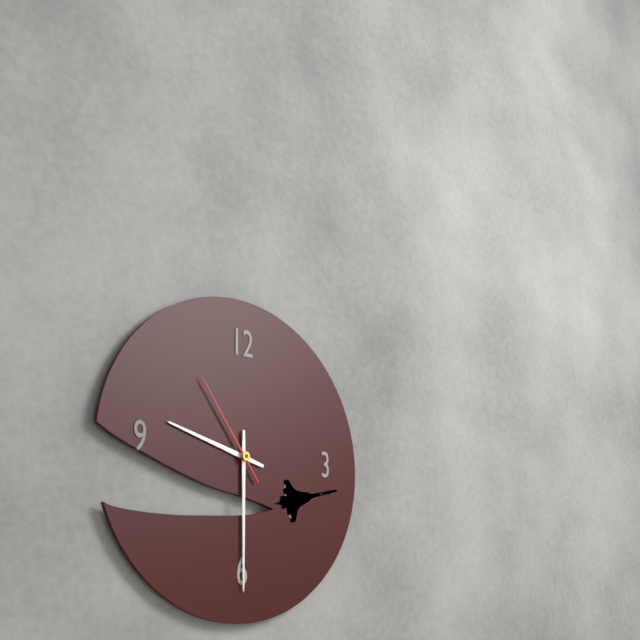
{"hour": 9, "minute": 30, "second": 54}
